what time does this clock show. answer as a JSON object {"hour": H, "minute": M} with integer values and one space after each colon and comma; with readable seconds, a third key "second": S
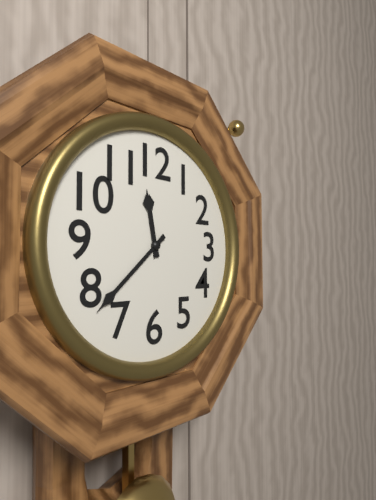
{"hour": 11, "minute": 38}
